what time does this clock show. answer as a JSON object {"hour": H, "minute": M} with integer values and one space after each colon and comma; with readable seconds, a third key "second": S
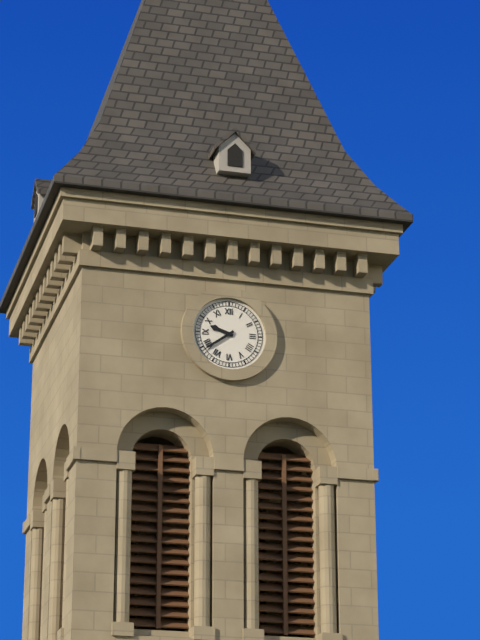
{"hour": 9, "minute": 39}
